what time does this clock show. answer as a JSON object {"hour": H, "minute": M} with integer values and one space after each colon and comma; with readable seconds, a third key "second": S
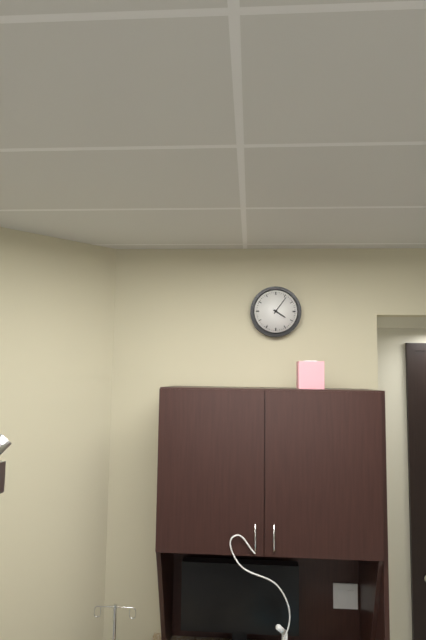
{"hour": 4, "minute": 6}
